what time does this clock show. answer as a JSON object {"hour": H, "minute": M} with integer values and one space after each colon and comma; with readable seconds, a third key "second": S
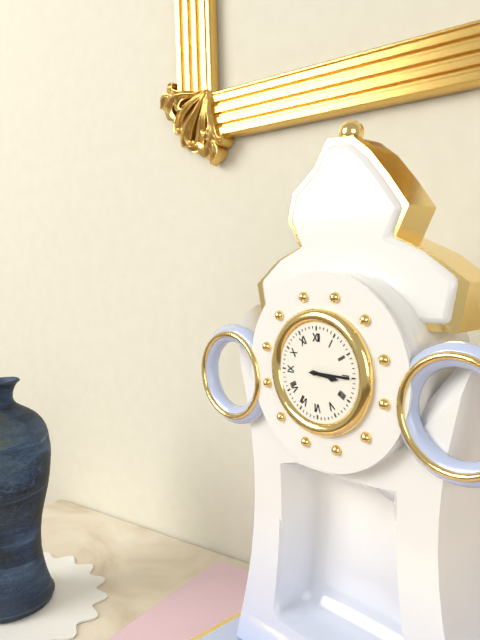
{"hour": 3, "minute": 15}
